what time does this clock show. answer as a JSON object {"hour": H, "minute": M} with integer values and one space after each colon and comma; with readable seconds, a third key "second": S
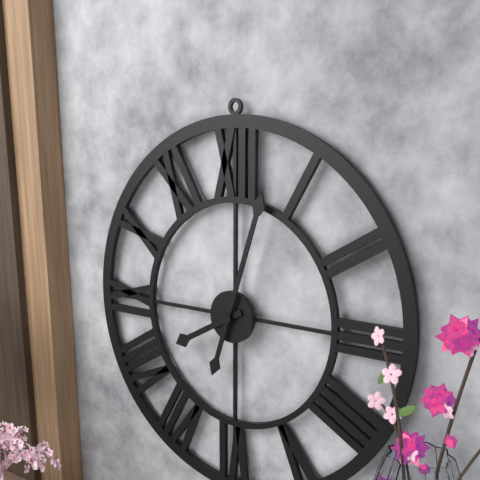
{"hour": 8, "minute": 3}
